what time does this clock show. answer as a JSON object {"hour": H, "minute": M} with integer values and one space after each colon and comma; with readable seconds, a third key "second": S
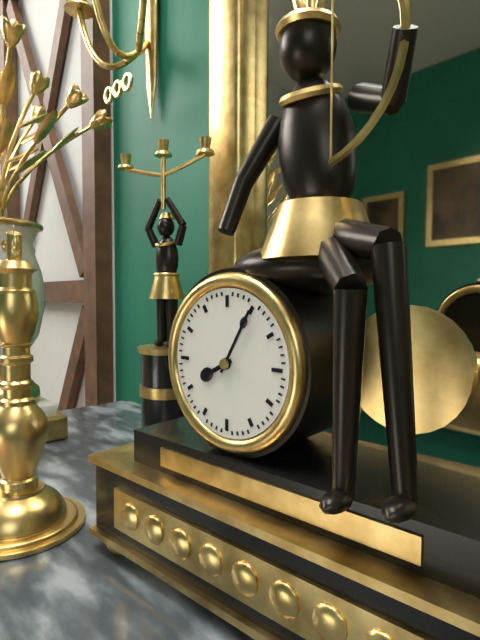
{"hour": 8, "minute": 5}
